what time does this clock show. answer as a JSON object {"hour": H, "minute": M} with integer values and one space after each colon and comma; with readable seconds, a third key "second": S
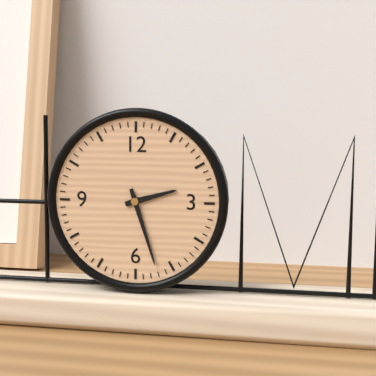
{"hour": 2, "minute": 27}
